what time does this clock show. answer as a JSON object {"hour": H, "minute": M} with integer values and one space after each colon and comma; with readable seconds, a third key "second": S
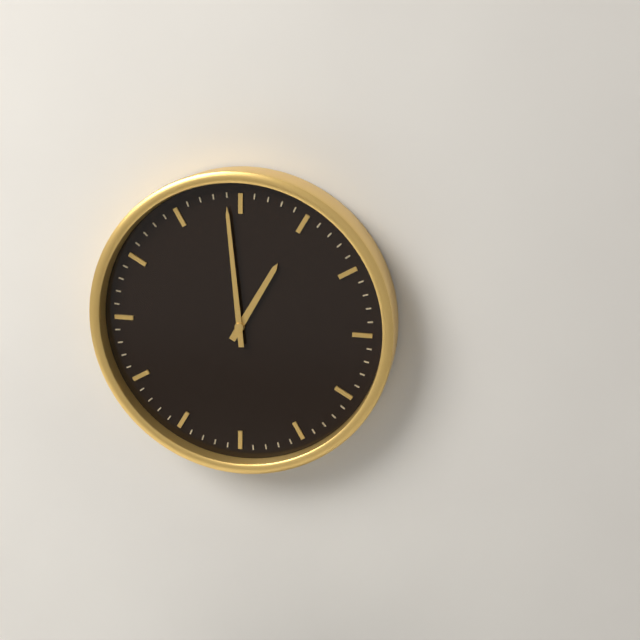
{"hour": 12, "minute": 59}
